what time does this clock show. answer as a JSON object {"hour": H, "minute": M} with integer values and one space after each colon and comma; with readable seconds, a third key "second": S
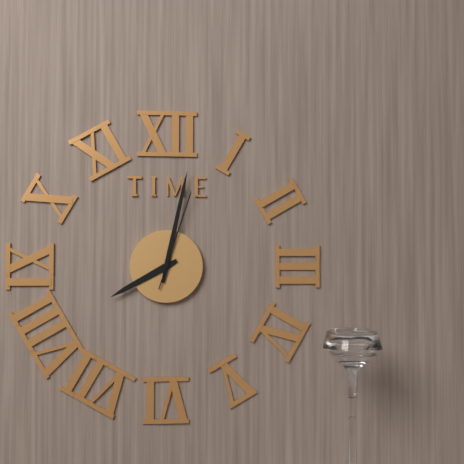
{"hour": 8, "minute": 2, "second": 3}
